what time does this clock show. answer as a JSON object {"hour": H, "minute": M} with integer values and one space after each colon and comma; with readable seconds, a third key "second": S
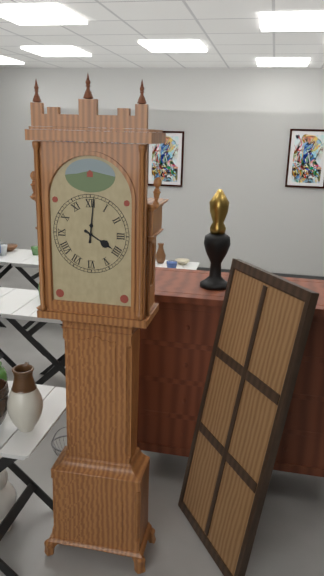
{"hour": 4, "minute": 1}
